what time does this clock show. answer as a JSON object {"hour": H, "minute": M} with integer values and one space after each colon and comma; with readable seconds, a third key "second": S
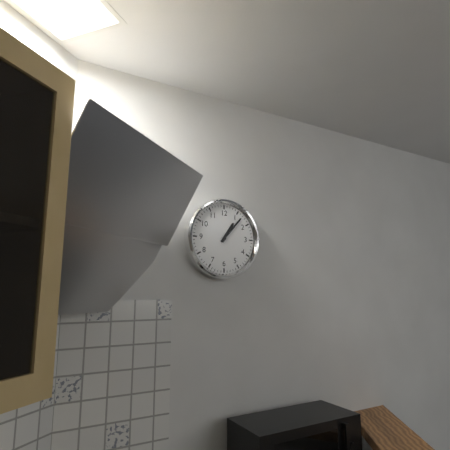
{"hour": 1, "minute": 7}
